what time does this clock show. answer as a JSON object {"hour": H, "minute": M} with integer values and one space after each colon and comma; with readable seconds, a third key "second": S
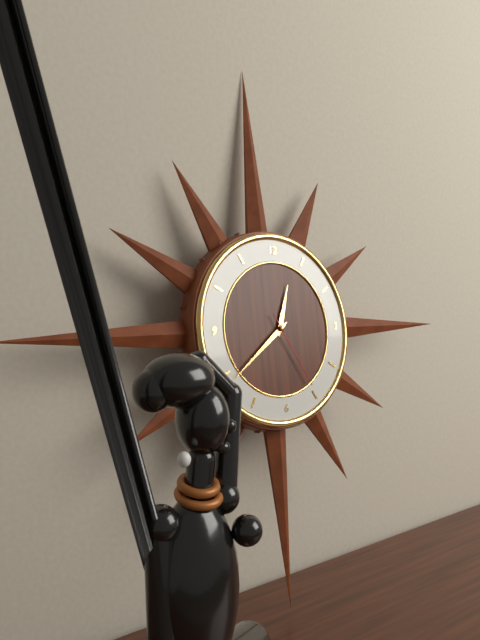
{"hour": 12, "minute": 39, "second": 25}
